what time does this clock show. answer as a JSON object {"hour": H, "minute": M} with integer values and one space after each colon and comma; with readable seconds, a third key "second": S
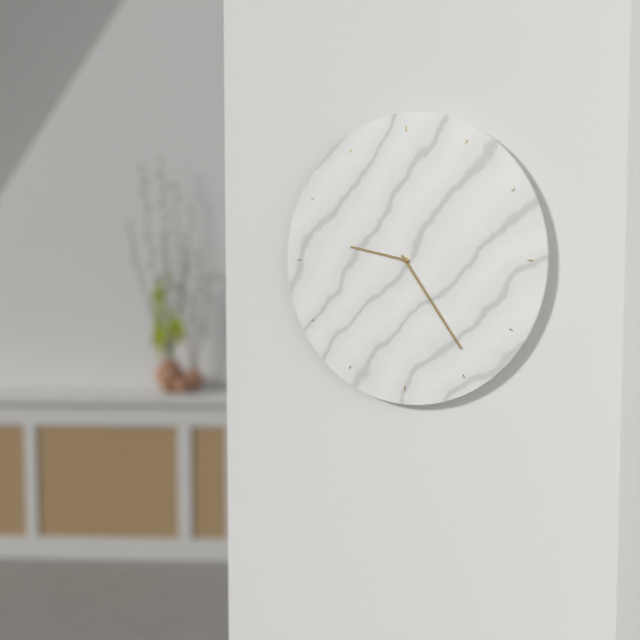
{"hour": 9, "minute": 24}
